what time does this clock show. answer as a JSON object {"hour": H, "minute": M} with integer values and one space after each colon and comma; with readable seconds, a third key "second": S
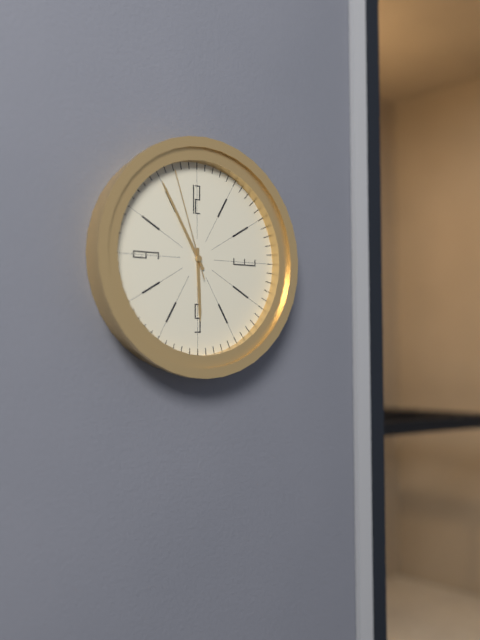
{"hour": 5, "minute": 55, "second": 57}
